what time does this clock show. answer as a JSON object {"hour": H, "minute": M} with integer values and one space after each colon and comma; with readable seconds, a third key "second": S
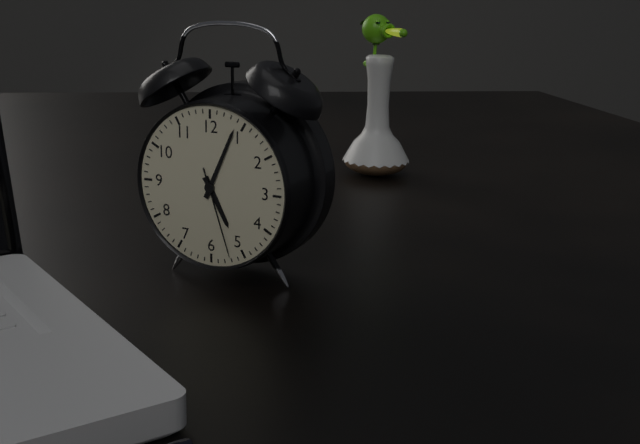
{"hour": 5, "minute": 4, "second": 27}
